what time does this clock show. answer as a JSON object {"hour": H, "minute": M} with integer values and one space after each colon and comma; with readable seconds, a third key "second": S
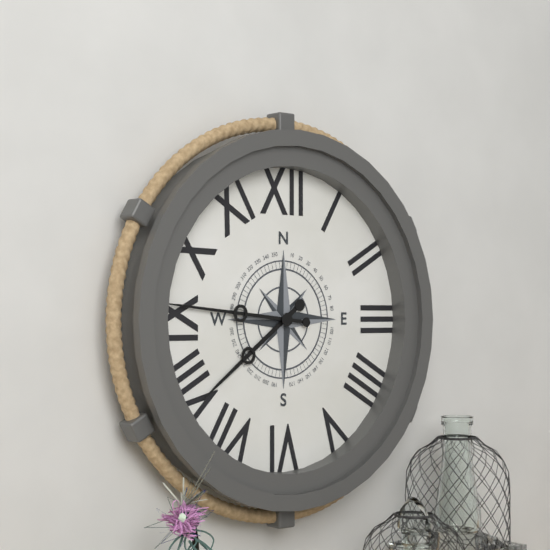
{"hour": 7, "minute": 46}
